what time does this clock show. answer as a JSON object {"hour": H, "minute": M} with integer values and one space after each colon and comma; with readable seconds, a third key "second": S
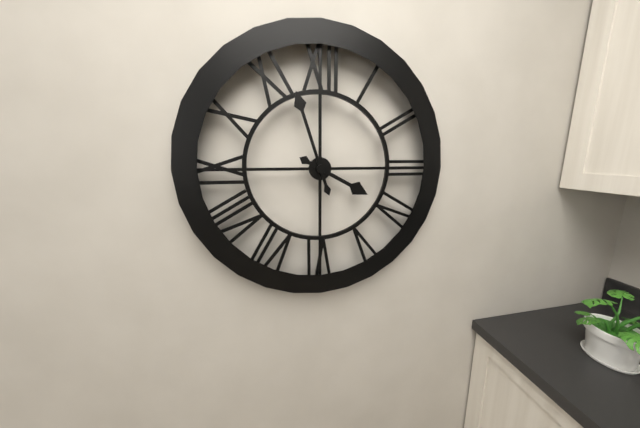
{"hour": 3, "minute": 57}
